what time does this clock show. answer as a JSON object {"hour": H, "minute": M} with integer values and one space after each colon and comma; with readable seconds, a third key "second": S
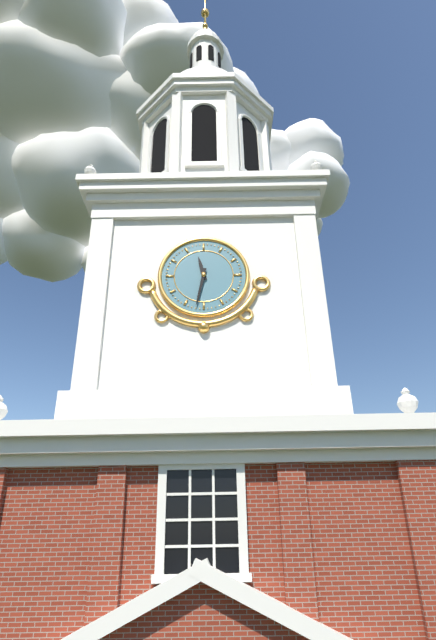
{"hour": 11, "minute": 32}
